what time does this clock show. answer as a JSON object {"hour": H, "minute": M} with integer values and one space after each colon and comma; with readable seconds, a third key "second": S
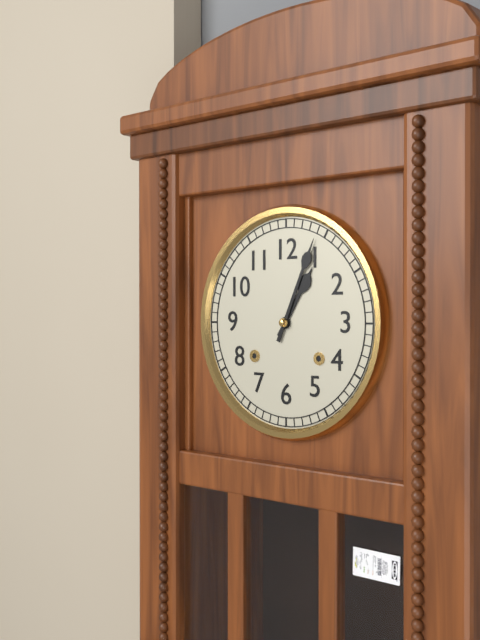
{"hour": 1, "minute": 4}
